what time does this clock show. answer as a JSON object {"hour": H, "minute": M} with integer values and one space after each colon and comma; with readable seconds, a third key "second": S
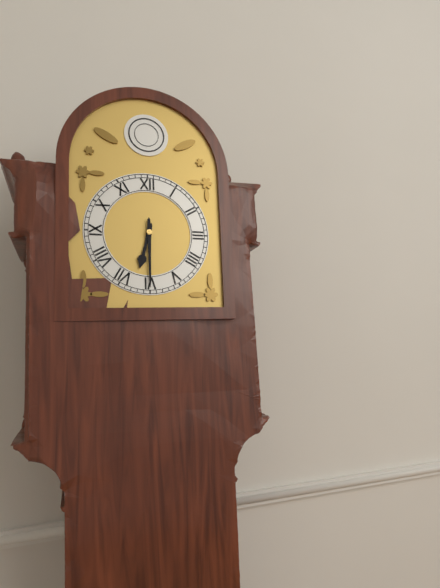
{"hour": 6, "minute": 30}
